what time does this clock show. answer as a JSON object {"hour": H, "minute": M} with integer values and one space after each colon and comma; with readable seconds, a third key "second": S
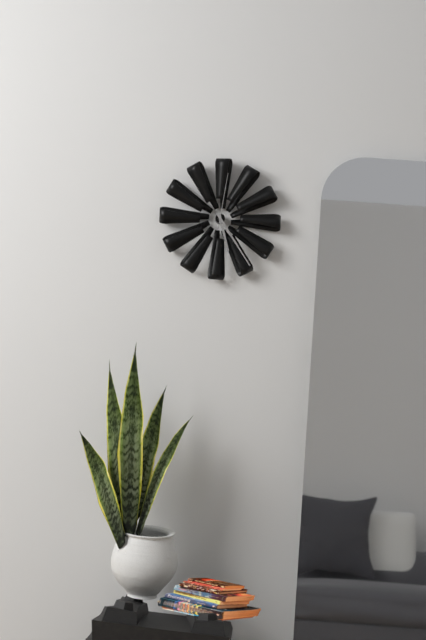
{"hour": 5, "minute": 24, "second": 1}
